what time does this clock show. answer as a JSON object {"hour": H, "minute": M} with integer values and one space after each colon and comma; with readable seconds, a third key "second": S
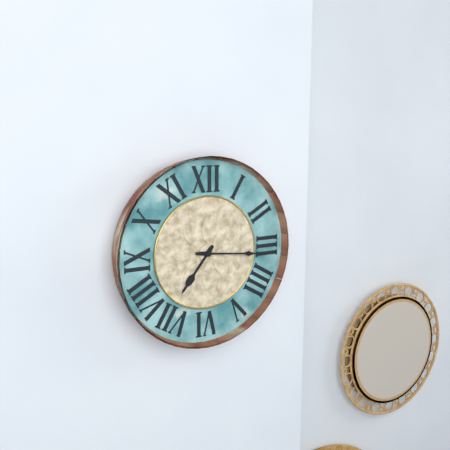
{"hour": 7, "minute": 16}
